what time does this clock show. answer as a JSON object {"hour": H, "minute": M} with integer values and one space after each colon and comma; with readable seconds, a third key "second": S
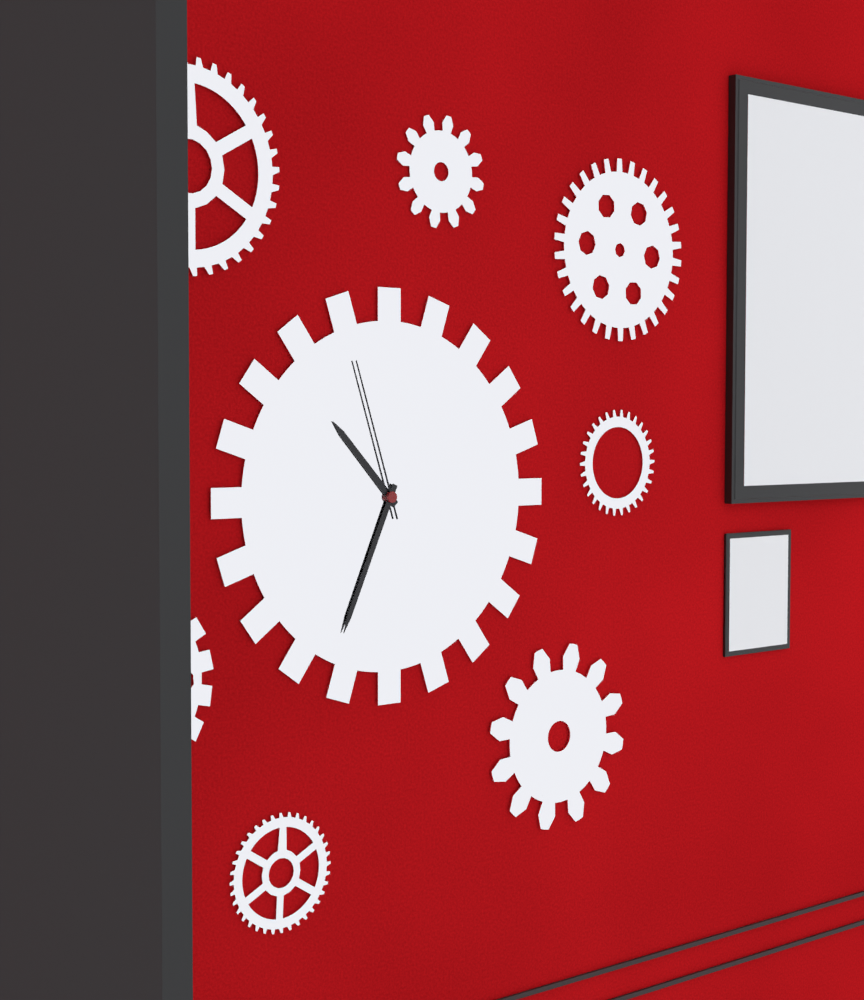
{"hour": 10, "minute": 34, "second": 57}
